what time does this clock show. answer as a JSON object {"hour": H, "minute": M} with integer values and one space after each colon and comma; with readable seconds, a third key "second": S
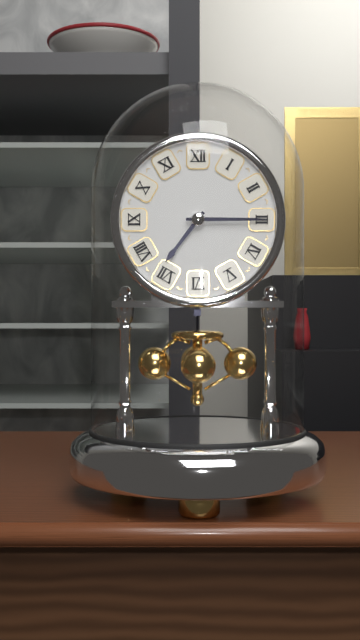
{"hour": 7, "minute": 15}
